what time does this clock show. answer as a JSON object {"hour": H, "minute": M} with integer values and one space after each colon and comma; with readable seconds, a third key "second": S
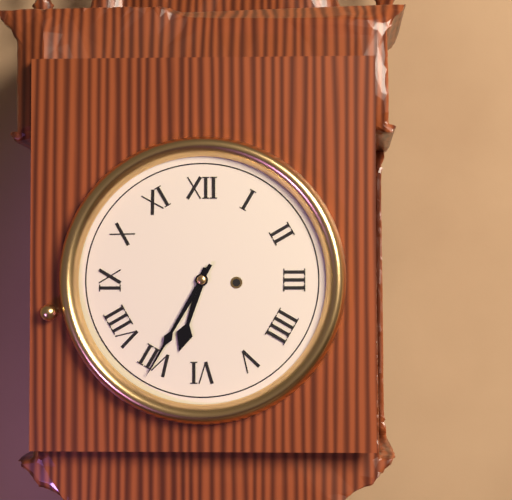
{"hour": 6, "minute": 35}
